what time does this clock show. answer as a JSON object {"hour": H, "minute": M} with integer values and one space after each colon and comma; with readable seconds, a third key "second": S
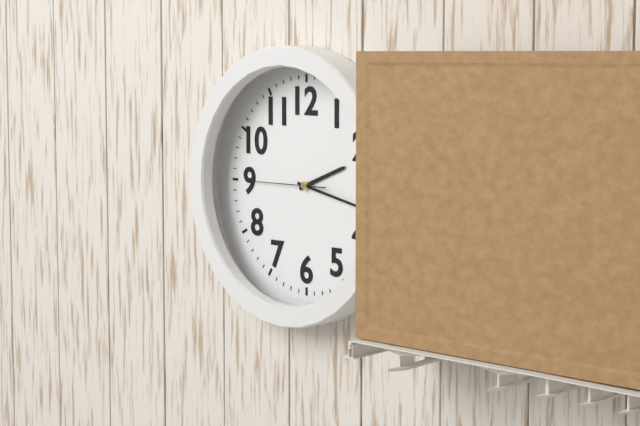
{"hour": 2, "minute": 17, "second": 45}
